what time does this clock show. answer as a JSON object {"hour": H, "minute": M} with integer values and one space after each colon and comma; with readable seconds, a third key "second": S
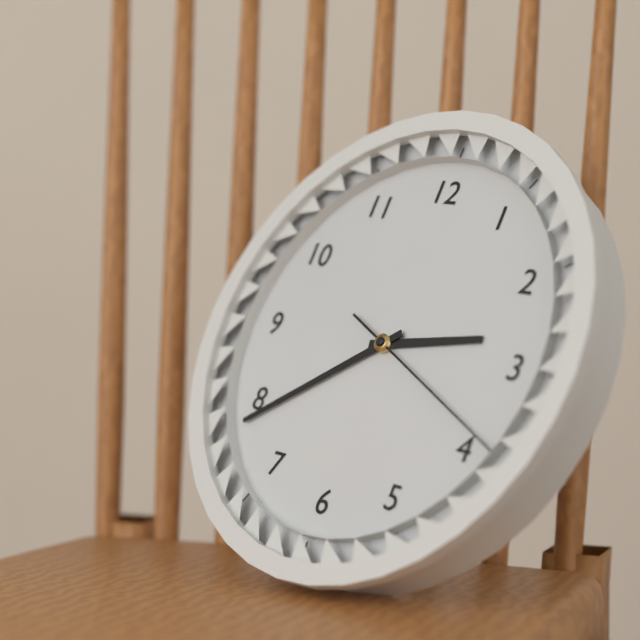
{"hour": 2, "minute": 39, "second": 19}
